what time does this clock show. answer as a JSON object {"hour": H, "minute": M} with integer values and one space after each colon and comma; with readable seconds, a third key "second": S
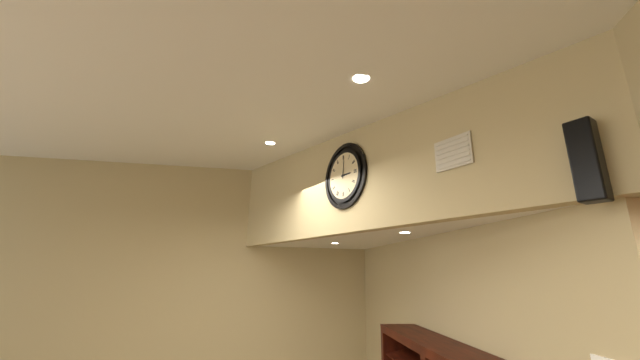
{"hour": 3, "minute": 1}
